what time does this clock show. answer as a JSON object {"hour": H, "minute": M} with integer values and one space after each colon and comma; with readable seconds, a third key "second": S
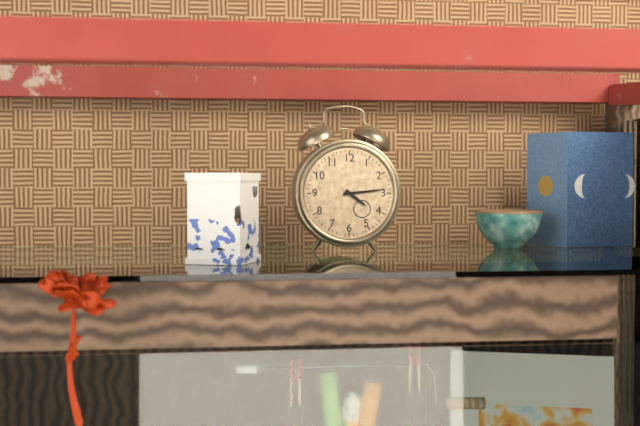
{"hour": 4, "minute": 14}
